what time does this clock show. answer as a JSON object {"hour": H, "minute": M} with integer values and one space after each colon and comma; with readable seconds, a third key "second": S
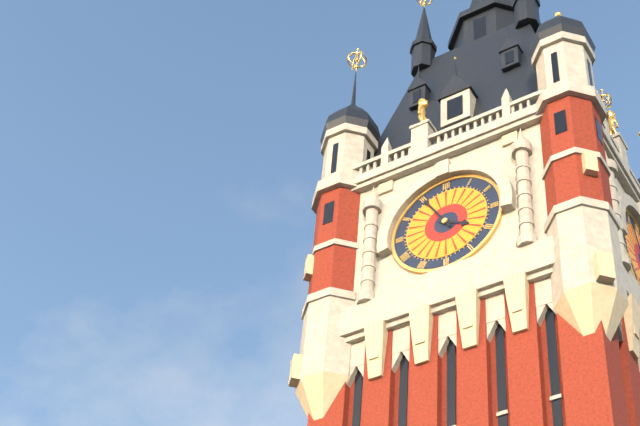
{"hour": 3, "minute": 55}
